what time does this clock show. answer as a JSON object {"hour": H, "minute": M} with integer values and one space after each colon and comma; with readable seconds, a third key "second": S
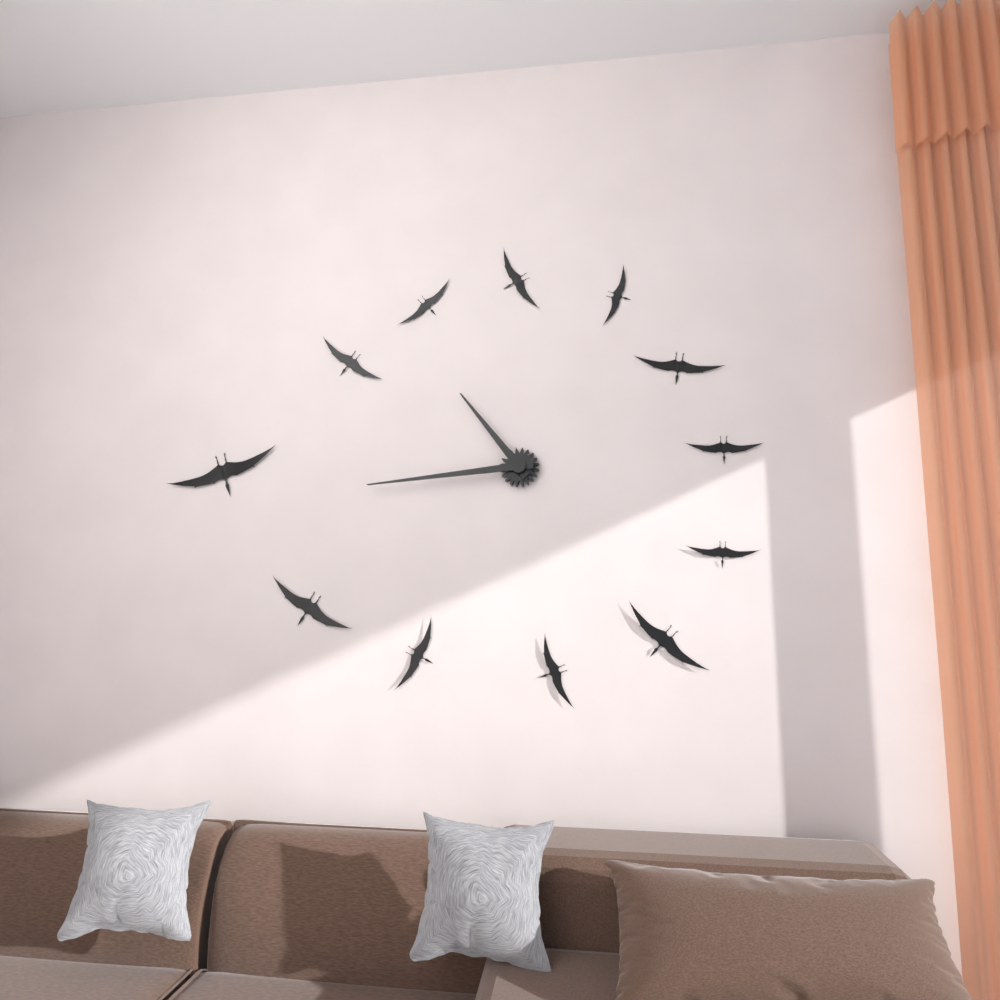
{"hour": 10, "minute": 44}
